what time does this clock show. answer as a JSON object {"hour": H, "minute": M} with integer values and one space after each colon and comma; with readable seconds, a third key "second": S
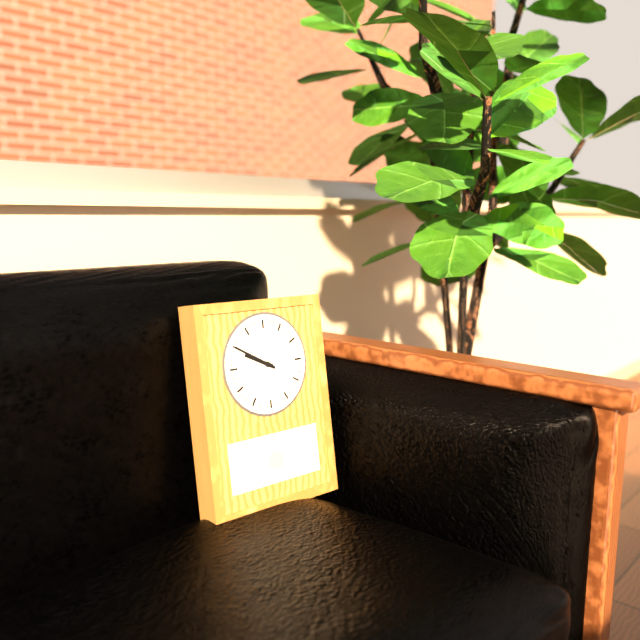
{"hour": 9, "minute": 50}
